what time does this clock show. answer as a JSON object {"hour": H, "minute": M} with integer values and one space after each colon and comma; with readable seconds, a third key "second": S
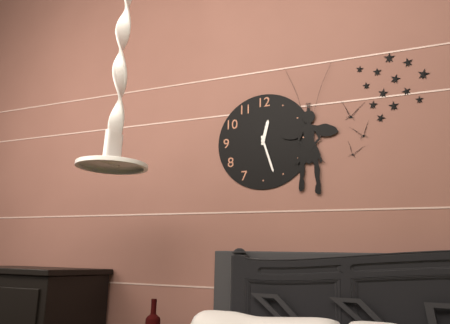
{"hour": 12, "minute": 27}
